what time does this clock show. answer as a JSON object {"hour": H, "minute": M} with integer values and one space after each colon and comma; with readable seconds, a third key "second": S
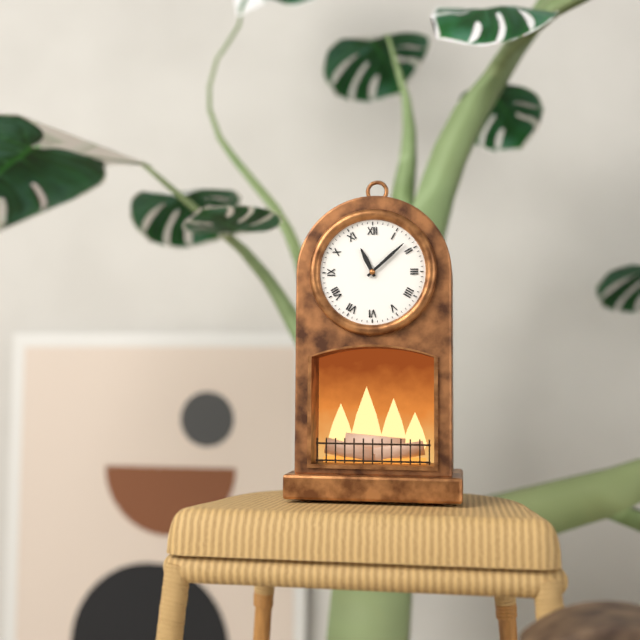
{"hour": 11, "minute": 8}
